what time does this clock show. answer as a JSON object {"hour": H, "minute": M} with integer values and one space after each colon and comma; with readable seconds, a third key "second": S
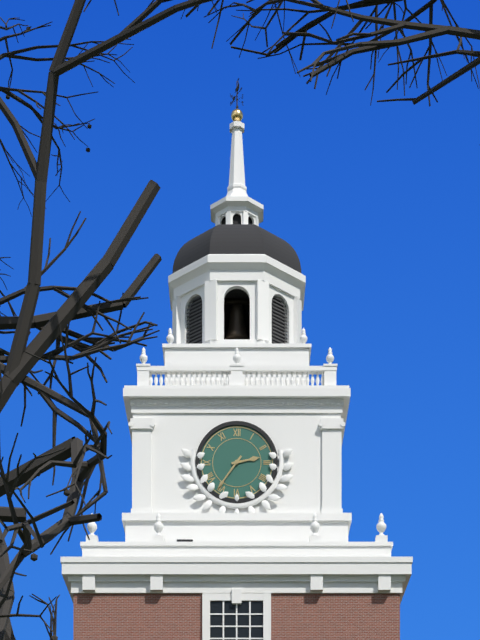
{"hour": 2, "minute": 36}
